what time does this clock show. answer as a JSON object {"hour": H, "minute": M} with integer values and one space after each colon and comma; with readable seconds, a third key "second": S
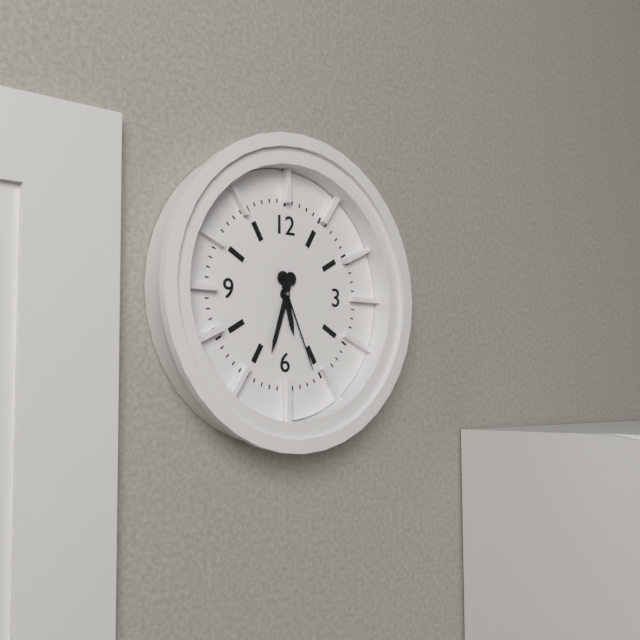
{"hour": 5, "minute": 33, "second": 26}
